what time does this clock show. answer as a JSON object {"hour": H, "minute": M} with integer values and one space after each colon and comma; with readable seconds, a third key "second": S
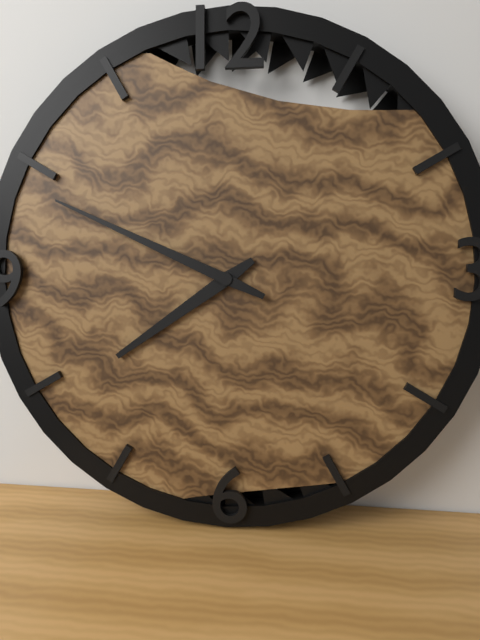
{"hour": 7, "minute": 49}
